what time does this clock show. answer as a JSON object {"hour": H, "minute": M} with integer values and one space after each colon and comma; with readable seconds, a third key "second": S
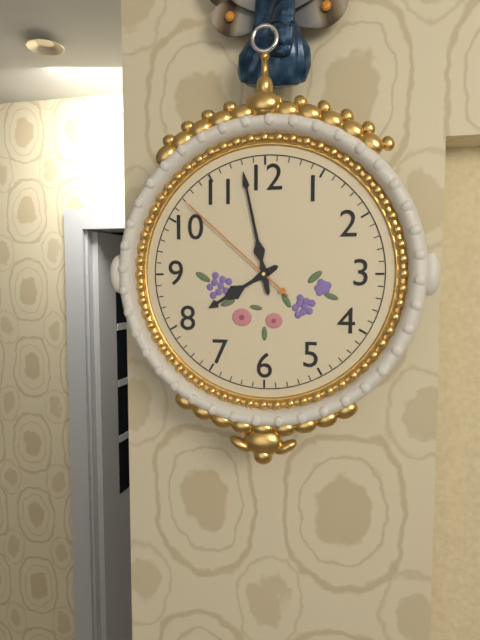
{"hour": 7, "minute": 58, "second": 52}
